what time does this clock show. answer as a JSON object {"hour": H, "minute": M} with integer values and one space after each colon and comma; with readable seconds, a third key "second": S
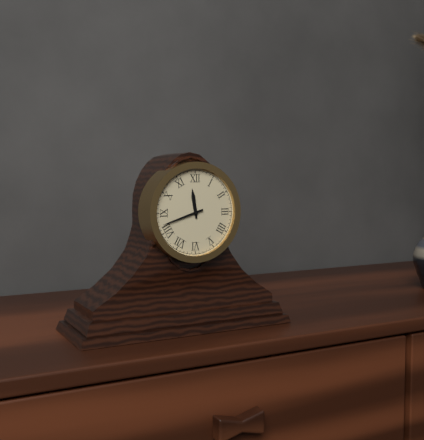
{"hour": 11, "minute": 42}
